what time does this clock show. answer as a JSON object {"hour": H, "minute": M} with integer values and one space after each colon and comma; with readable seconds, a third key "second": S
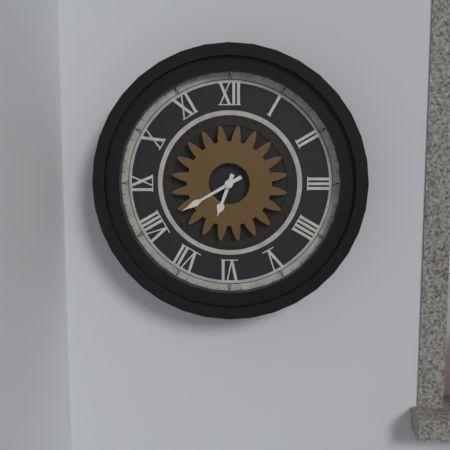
{"hour": 6, "minute": 40}
